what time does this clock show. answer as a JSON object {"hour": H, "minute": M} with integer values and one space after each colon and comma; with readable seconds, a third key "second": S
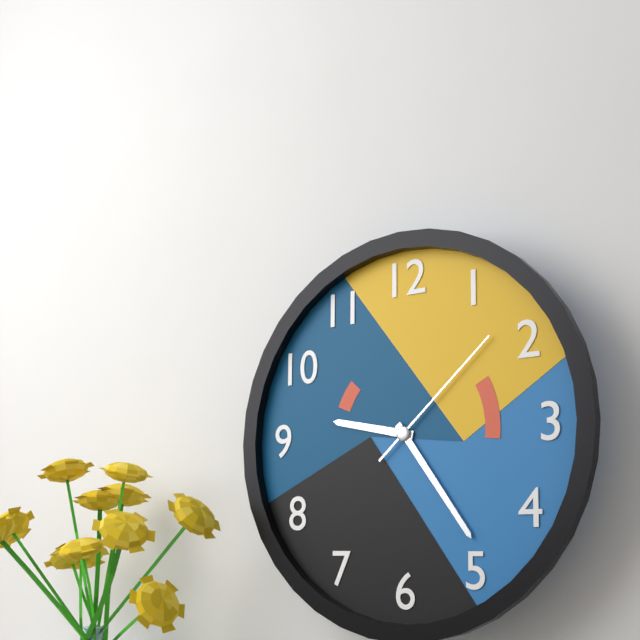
{"hour": 9, "minute": 24, "second": 8}
